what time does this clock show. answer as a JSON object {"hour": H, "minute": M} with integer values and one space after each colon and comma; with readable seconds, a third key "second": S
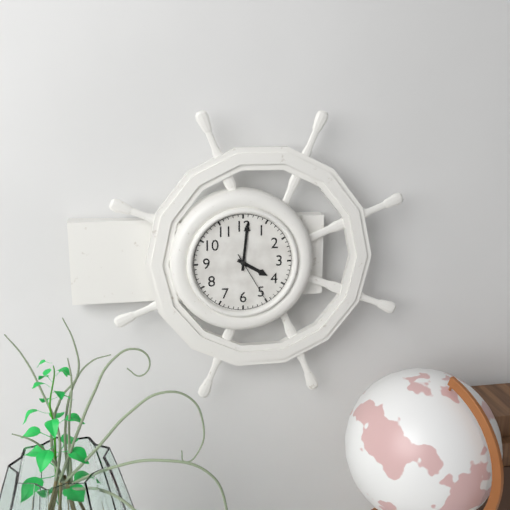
{"hour": 4, "minute": 1, "second": 25}
